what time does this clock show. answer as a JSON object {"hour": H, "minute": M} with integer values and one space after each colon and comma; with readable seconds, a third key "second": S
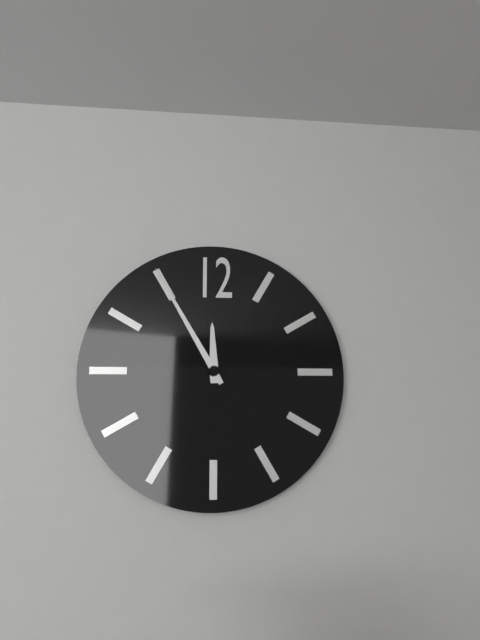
{"hour": 11, "minute": 55}
